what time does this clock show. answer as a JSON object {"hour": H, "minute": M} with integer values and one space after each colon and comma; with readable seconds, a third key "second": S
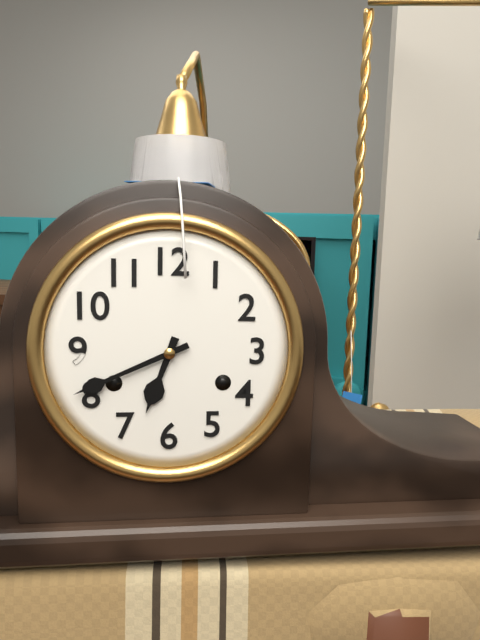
{"hour": 6, "minute": 41}
